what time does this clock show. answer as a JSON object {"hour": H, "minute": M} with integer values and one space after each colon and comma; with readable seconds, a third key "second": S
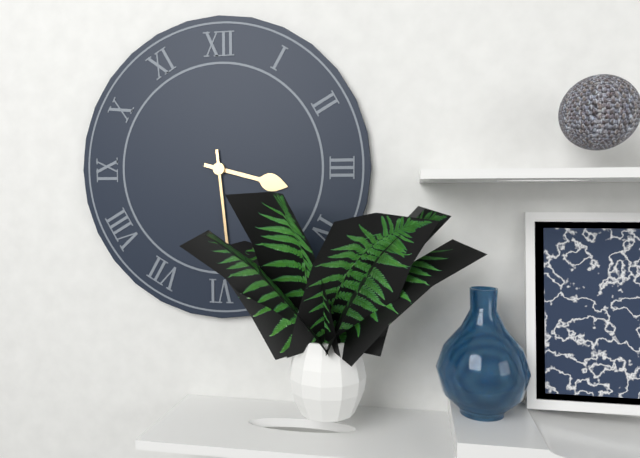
{"hour": 3, "minute": 29}
